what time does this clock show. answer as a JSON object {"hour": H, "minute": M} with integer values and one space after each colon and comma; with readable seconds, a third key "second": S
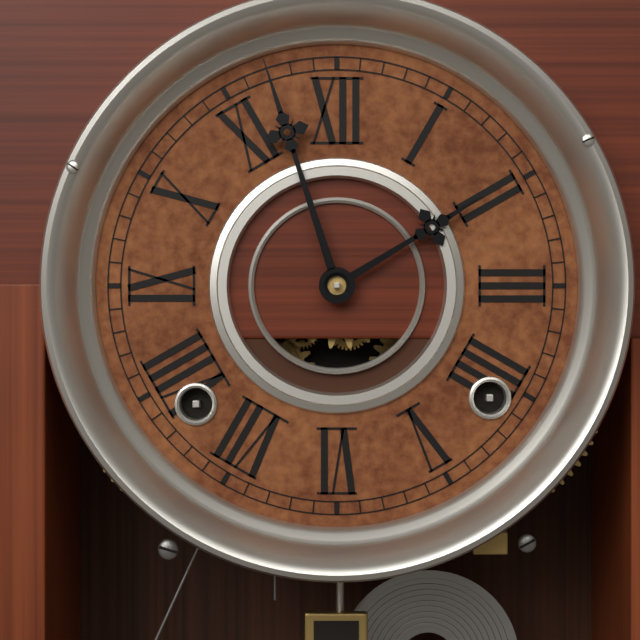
{"hour": 1, "minute": 57}
